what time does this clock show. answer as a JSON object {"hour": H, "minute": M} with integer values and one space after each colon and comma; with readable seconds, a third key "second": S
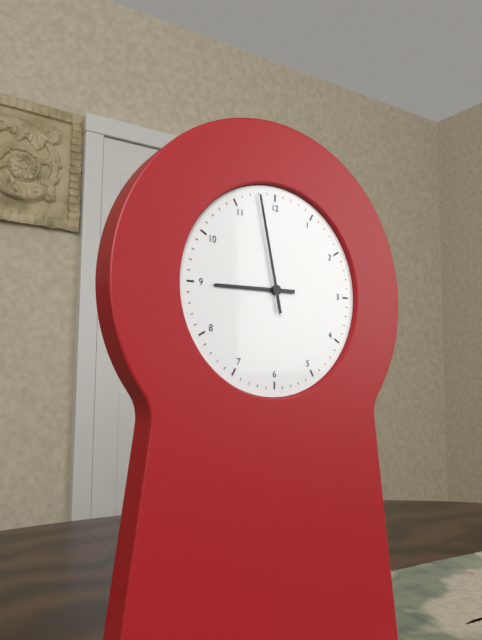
{"hour": 8, "minute": 58}
